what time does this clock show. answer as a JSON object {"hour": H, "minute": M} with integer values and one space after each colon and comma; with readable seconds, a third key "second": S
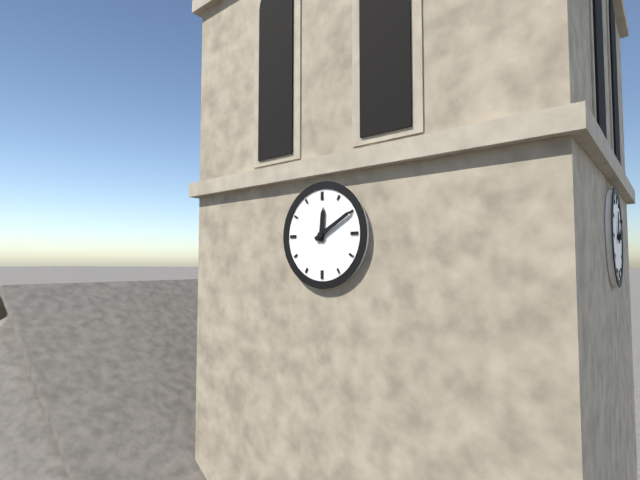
{"hour": 12, "minute": 10}
